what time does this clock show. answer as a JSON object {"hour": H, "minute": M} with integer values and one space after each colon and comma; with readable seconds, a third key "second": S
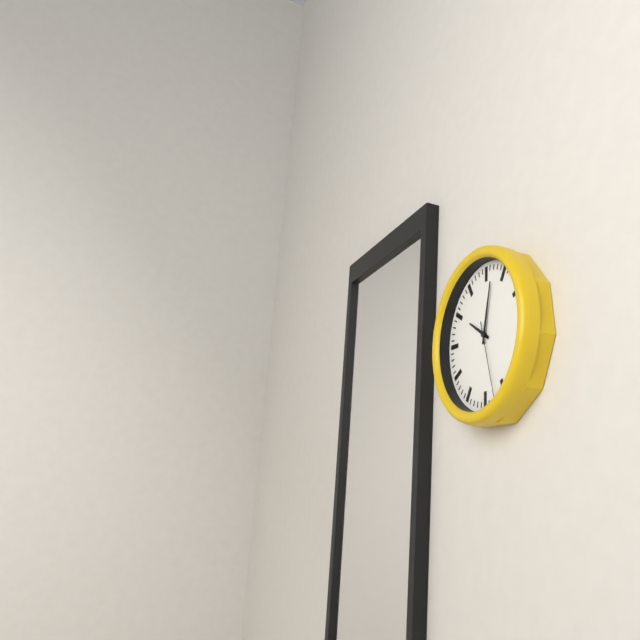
{"hour": 10, "minute": 2, "second": 27}
